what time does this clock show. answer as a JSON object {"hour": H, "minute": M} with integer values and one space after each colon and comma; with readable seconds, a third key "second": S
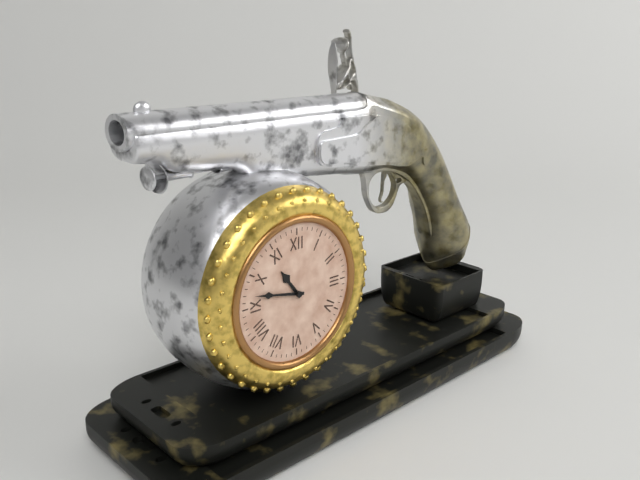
{"hour": 10, "minute": 47}
